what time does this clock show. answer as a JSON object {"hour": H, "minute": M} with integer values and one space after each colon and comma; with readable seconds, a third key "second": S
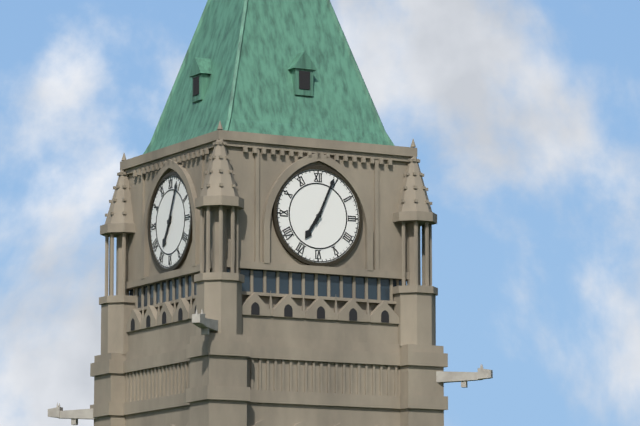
{"hour": 7, "minute": 4}
